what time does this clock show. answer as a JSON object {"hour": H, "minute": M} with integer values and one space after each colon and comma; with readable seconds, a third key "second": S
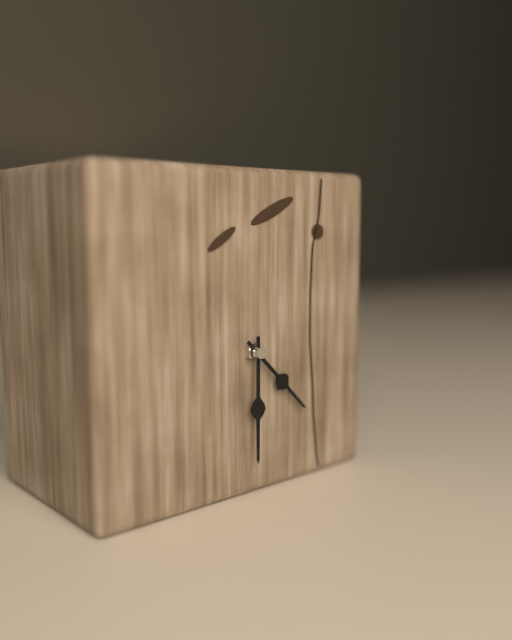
{"hour": 4, "minute": 30}
